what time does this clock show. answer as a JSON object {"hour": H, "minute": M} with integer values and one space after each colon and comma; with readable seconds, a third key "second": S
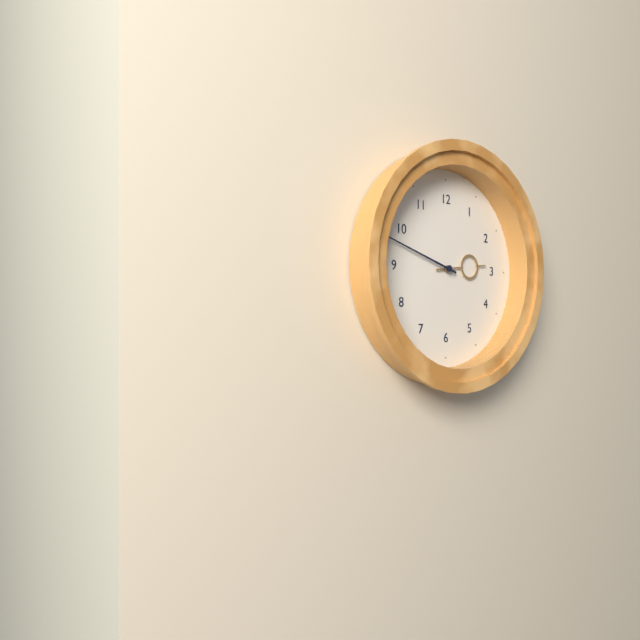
{"hour": 2, "minute": 48}
